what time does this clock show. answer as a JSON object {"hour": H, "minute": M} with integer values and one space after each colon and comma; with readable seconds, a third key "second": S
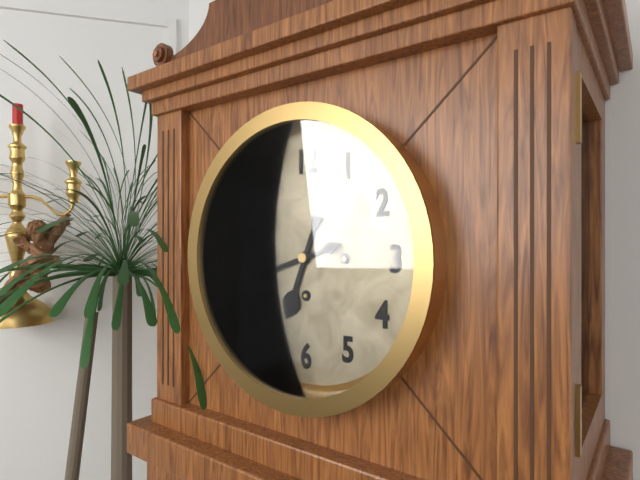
{"hour": 6, "minute": 42}
